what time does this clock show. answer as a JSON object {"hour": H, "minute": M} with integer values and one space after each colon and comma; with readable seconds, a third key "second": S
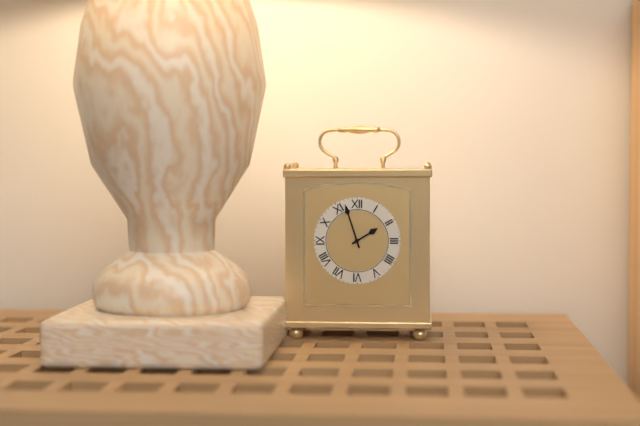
{"hour": 1, "minute": 57}
